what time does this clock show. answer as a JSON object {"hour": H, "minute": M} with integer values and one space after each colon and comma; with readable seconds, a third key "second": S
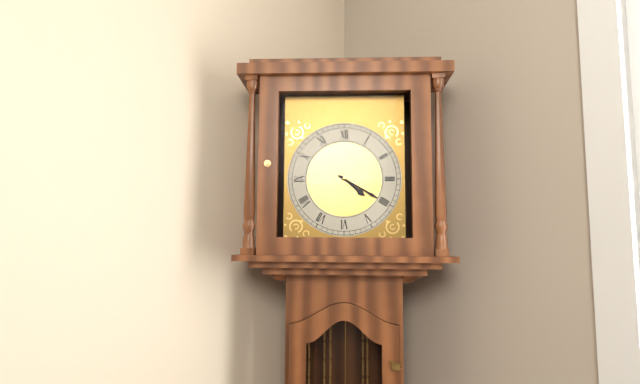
{"hour": 4, "minute": 20}
